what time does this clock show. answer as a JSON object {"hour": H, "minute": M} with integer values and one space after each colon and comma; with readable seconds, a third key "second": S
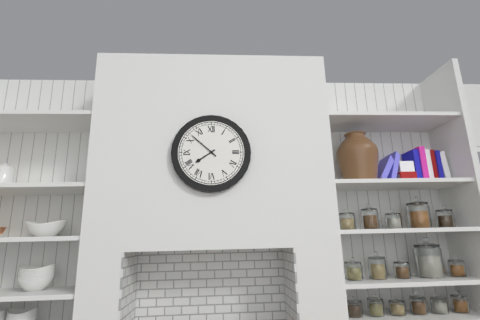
{"hour": 7, "minute": 52}
